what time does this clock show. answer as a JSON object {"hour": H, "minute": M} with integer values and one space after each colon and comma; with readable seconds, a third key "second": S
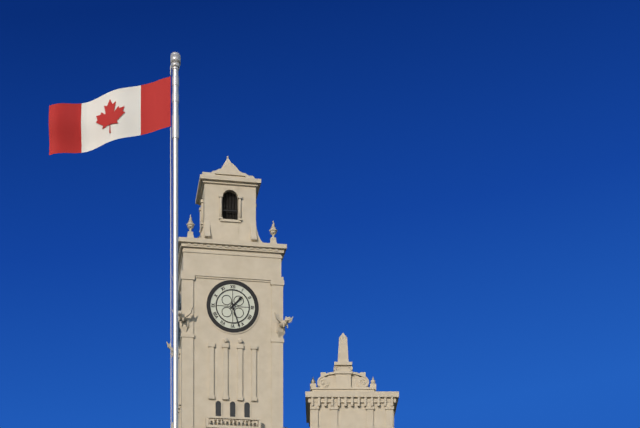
{"hour": 1, "minute": 27}
